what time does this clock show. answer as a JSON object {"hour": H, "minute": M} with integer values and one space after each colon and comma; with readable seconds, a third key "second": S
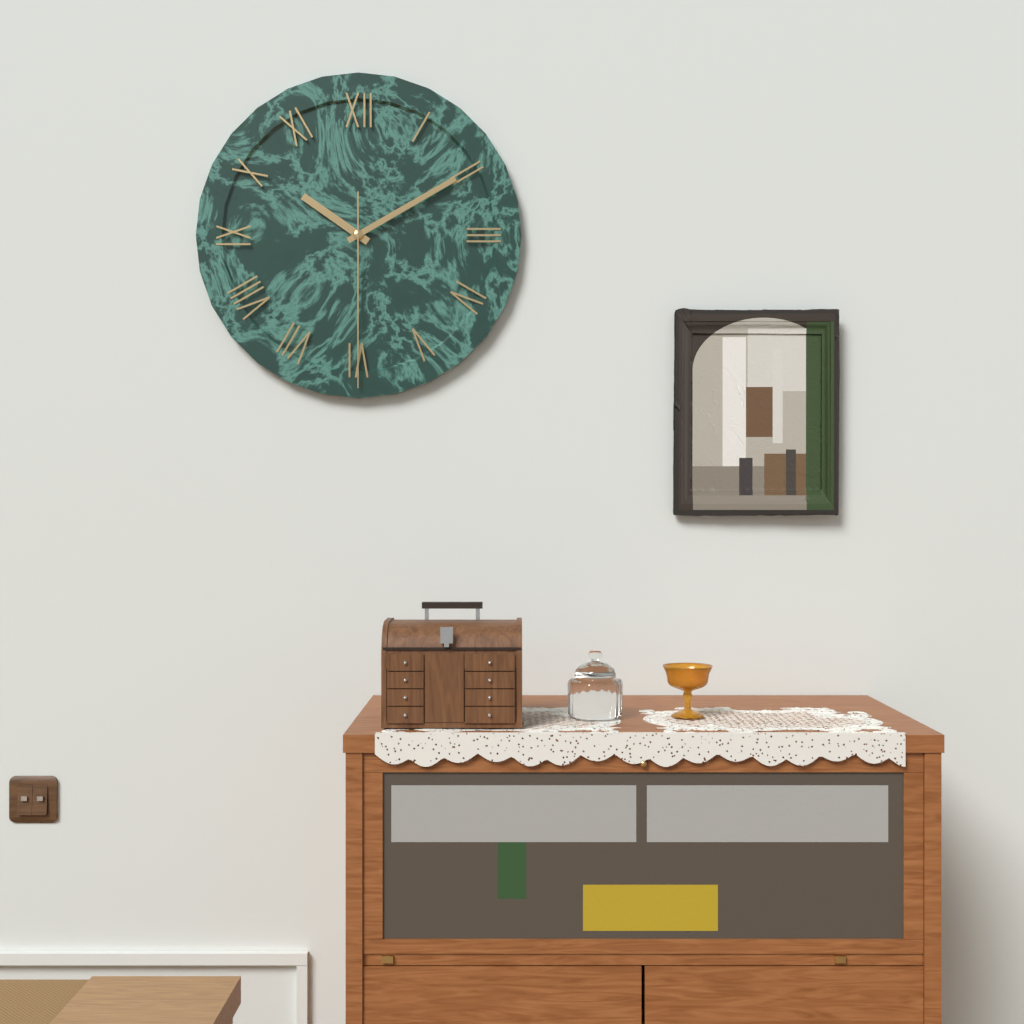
{"hour": 10, "minute": 10, "second": 30}
